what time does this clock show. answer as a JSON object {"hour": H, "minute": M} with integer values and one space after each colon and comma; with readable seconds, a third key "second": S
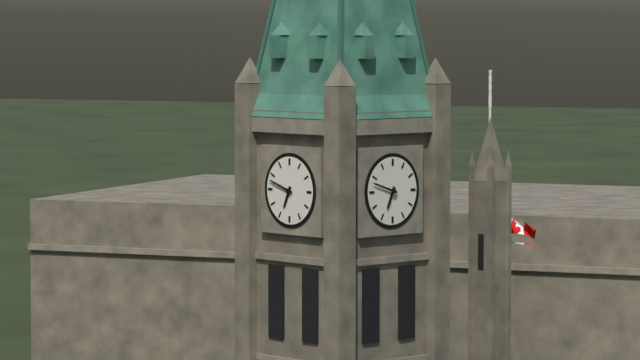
{"hour": 6, "minute": 48}
